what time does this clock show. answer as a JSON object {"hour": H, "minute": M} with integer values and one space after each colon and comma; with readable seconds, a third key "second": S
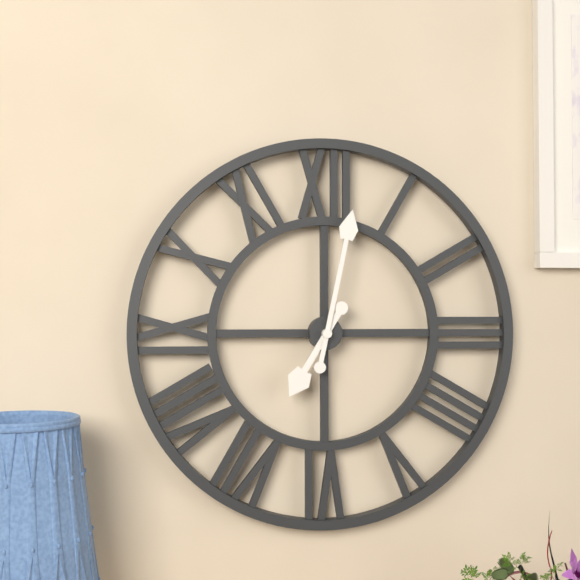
{"hour": 7, "minute": 2}
